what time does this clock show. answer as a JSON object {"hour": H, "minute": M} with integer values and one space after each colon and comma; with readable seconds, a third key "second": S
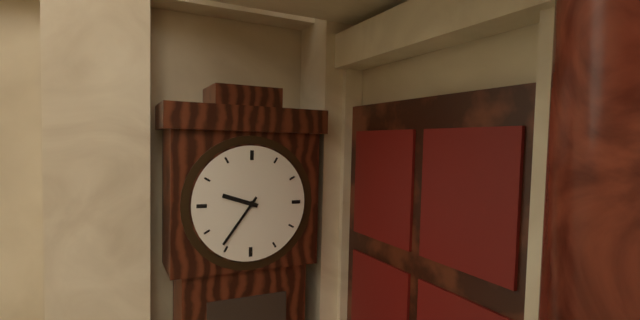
{"hour": 9, "minute": 36}
